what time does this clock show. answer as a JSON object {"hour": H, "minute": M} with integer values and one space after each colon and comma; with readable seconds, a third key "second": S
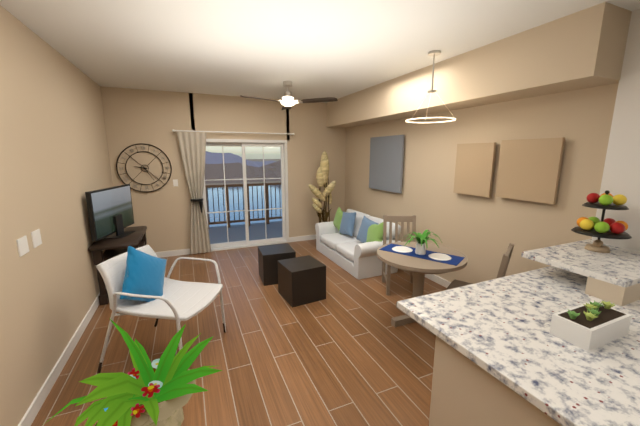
{"hour": 9, "minute": 25}
